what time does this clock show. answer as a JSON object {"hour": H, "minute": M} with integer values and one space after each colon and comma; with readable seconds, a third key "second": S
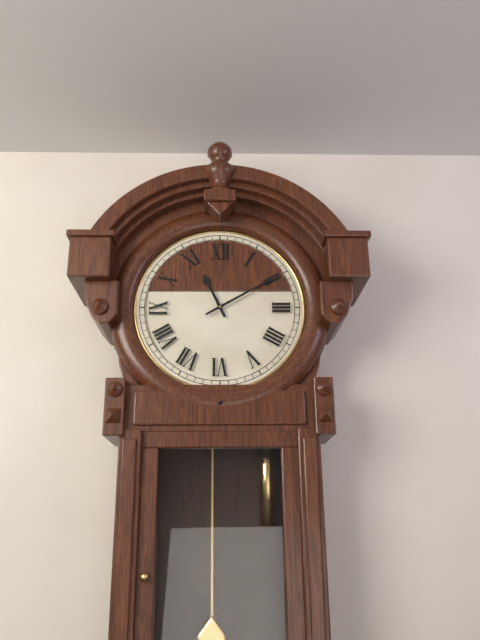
{"hour": 11, "minute": 10}
